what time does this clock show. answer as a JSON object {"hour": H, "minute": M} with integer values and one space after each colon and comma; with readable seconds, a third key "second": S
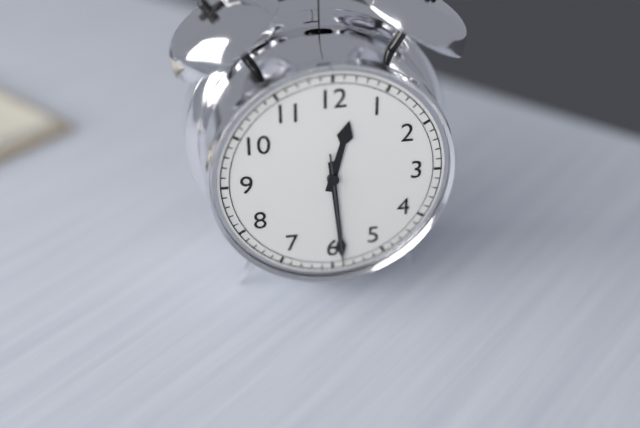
{"hour": 12, "minute": 29, "second": 29}
